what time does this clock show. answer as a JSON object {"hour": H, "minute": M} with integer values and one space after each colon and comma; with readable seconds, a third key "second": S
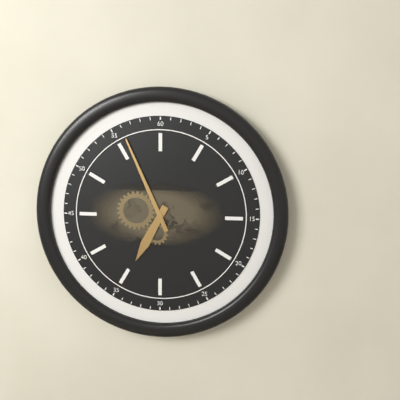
{"hour": 6, "minute": 56}
